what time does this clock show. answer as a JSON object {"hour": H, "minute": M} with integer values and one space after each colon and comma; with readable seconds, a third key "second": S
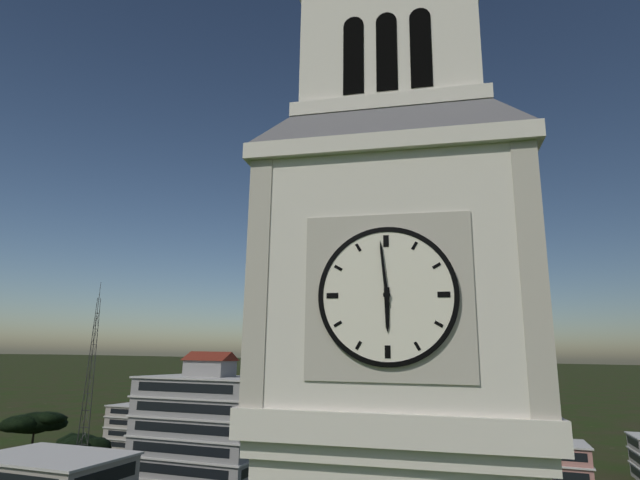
{"hour": 5, "minute": 59}
